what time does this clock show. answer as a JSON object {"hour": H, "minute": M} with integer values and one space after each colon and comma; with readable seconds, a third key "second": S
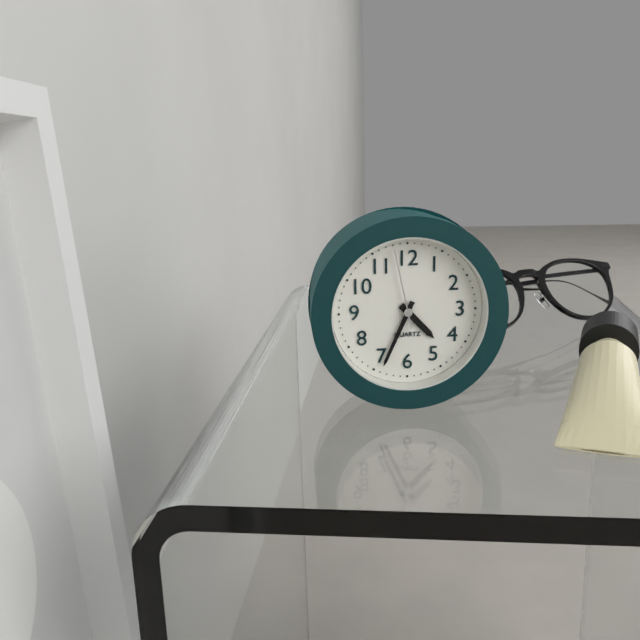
{"hour": 4, "minute": 34, "second": 58}
